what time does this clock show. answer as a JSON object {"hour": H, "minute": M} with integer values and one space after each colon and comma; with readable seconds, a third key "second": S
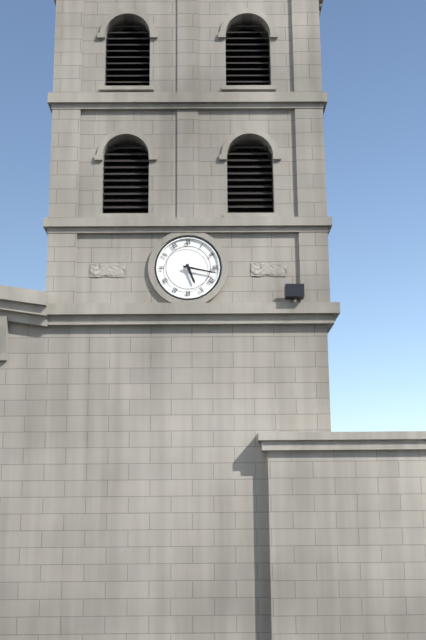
{"hour": 5, "minute": 17}
